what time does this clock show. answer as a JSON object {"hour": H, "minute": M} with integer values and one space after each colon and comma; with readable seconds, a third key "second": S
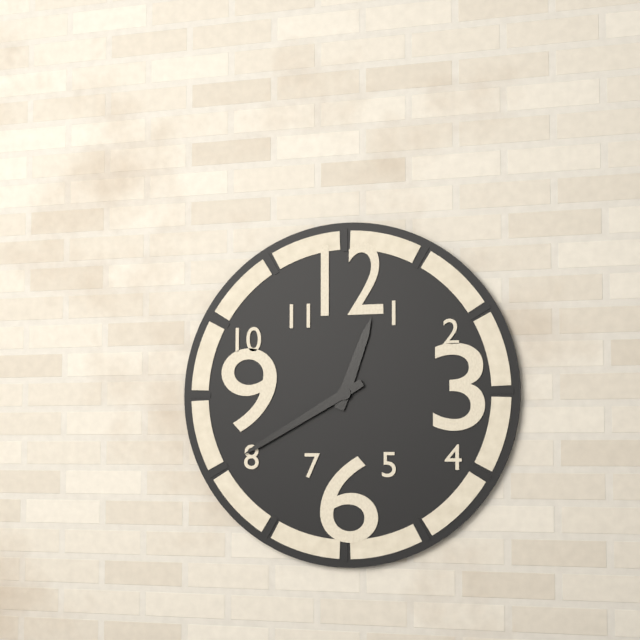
{"hour": 12, "minute": 40}
